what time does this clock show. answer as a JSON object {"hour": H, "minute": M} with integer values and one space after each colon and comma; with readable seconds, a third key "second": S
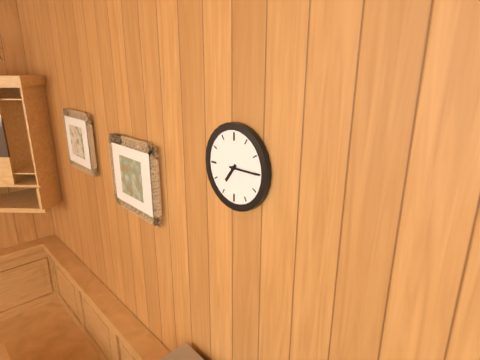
{"hour": 7, "minute": 15}
